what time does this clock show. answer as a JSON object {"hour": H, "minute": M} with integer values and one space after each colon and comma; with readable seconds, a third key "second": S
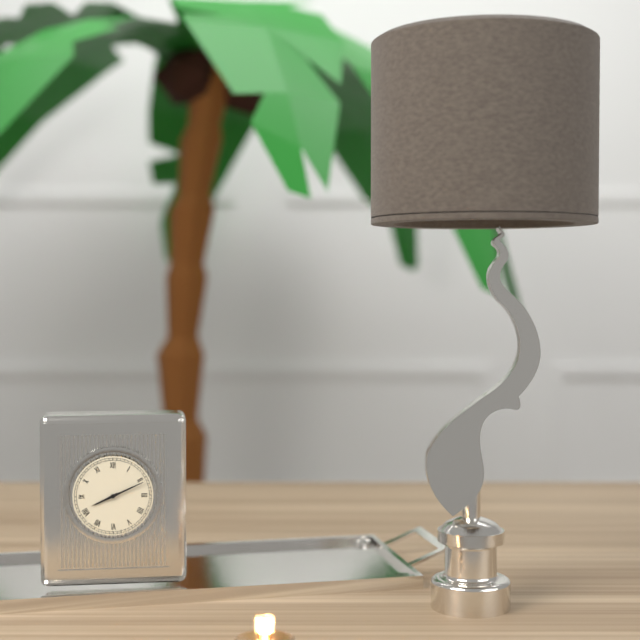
{"hour": 8, "minute": 11}
